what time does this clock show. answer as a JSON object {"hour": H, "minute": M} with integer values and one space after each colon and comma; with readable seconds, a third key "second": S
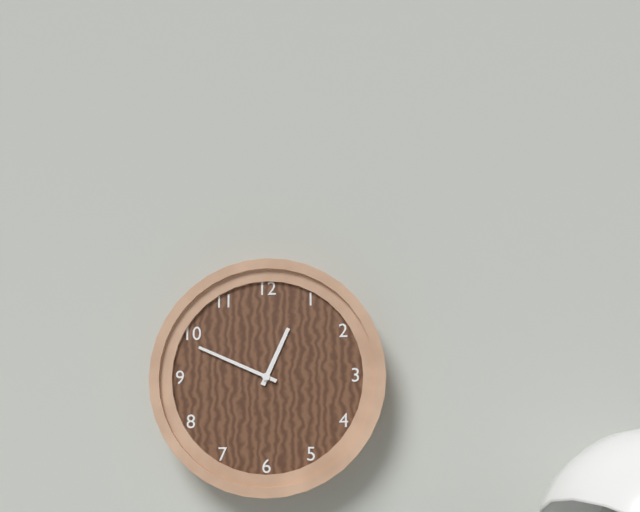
{"hour": 12, "minute": 49}
